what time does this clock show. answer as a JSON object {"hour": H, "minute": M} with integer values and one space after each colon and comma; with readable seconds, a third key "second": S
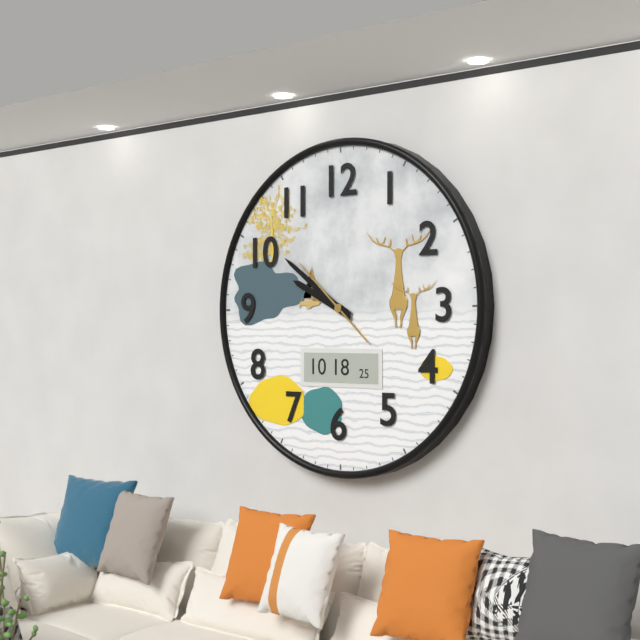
{"hour": 9, "minute": 51, "second": 52}
